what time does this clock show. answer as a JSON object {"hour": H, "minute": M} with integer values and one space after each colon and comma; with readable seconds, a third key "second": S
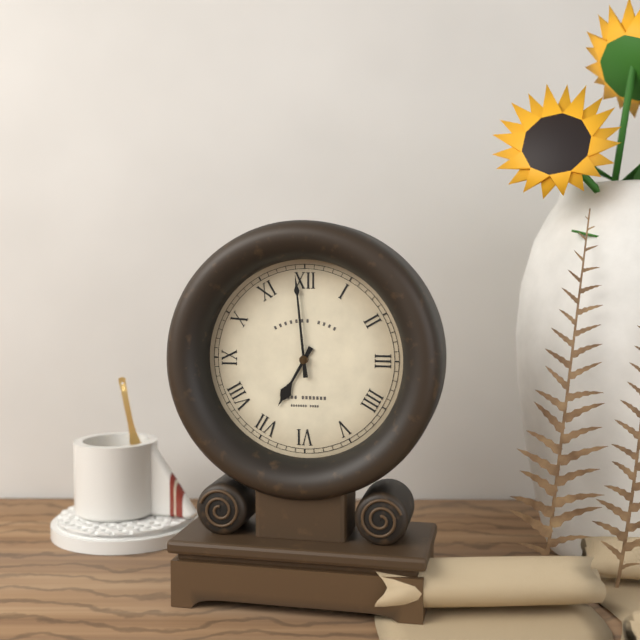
{"hour": 6, "minute": 59}
